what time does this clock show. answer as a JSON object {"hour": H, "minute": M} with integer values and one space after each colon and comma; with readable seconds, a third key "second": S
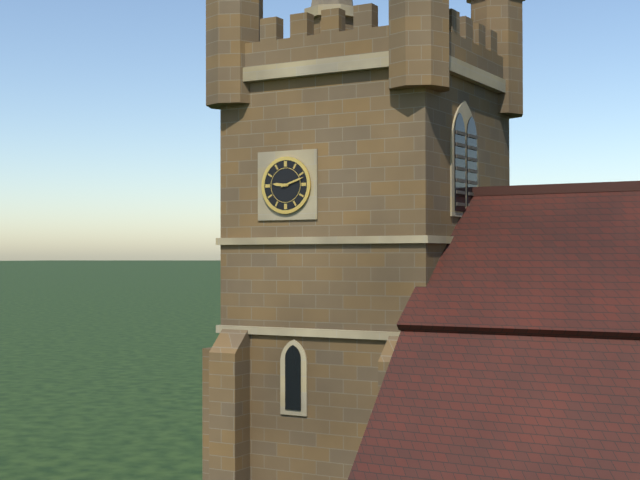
{"hour": 9, "minute": 12}
